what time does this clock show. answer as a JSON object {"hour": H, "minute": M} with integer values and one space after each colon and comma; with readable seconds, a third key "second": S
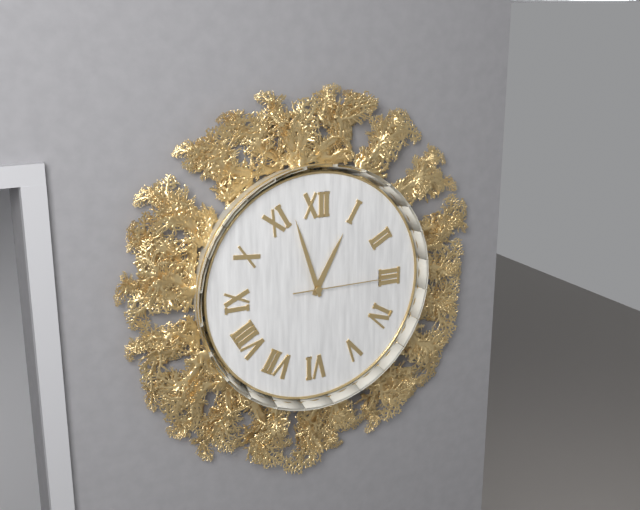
{"hour": 12, "minute": 57, "second": 15}
